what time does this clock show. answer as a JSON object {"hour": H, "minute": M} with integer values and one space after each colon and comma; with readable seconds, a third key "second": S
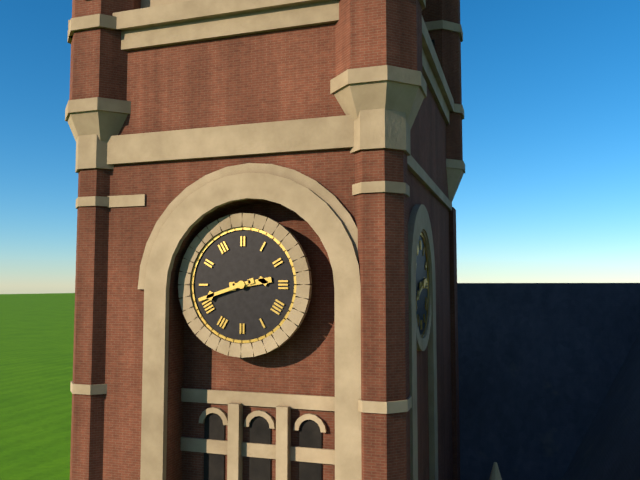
{"hour": 2, "minute": 42}
